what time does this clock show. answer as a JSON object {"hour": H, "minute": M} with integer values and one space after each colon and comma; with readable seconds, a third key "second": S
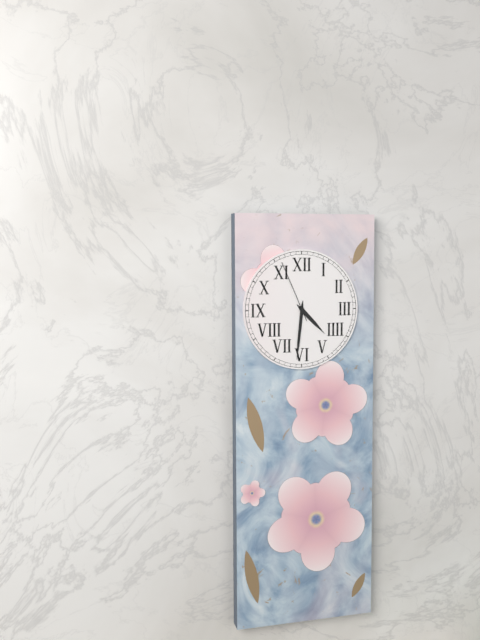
{"hour": 4, "minute": 31, "second": 56}
